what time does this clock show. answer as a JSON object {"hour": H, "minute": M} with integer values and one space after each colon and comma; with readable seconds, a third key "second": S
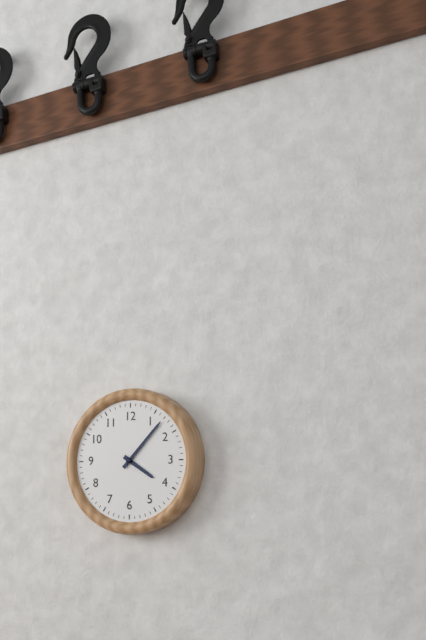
{"hour": 4, "minute": 7}
